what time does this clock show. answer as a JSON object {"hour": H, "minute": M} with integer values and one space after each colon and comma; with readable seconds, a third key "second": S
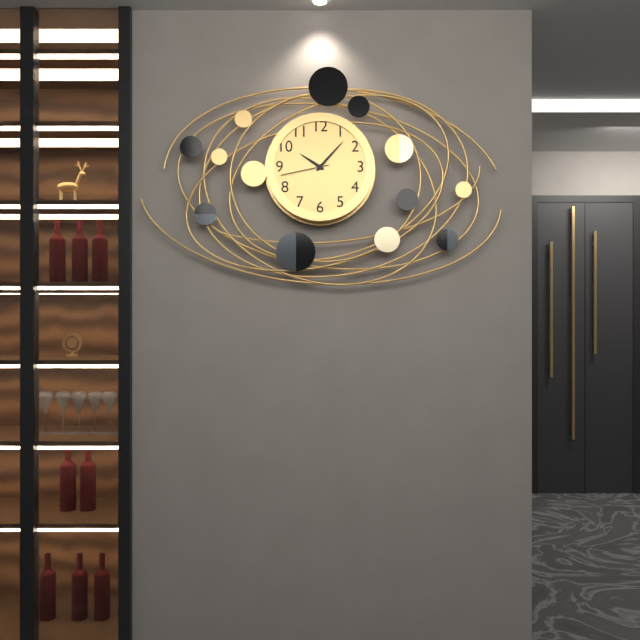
{"hour": 10, "minute": 7, "second": 43}
